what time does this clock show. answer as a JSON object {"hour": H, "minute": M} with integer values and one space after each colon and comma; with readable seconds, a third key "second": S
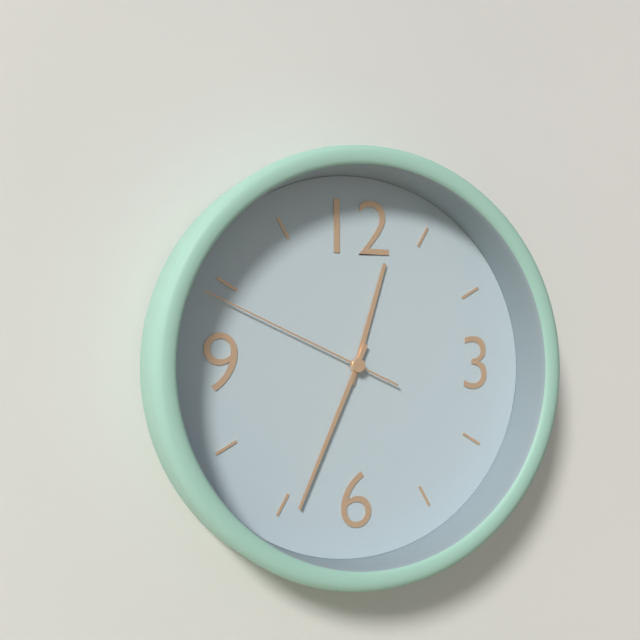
{"hour": 12, "minute": 34, "second": 49}
